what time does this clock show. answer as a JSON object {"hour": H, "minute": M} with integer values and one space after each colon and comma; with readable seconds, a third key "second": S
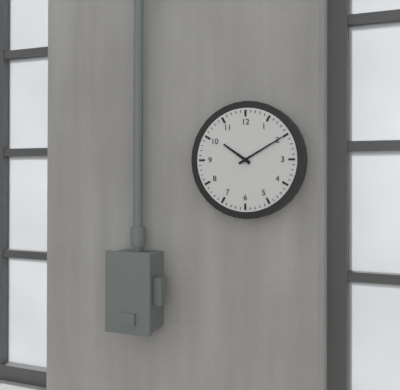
{"hour": 10, "minute": 10}
